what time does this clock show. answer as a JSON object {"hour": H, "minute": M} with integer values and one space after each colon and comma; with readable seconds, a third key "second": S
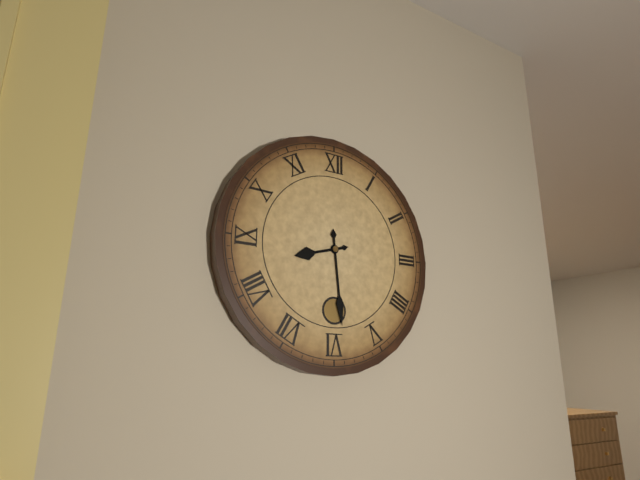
{"hour": 8, "minute": 29}
